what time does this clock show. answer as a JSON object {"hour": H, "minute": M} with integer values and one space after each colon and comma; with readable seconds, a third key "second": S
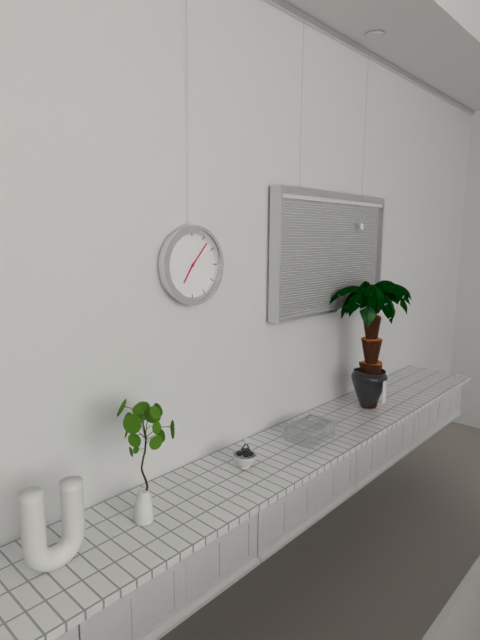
{"hour": 7, "minute": 7}
